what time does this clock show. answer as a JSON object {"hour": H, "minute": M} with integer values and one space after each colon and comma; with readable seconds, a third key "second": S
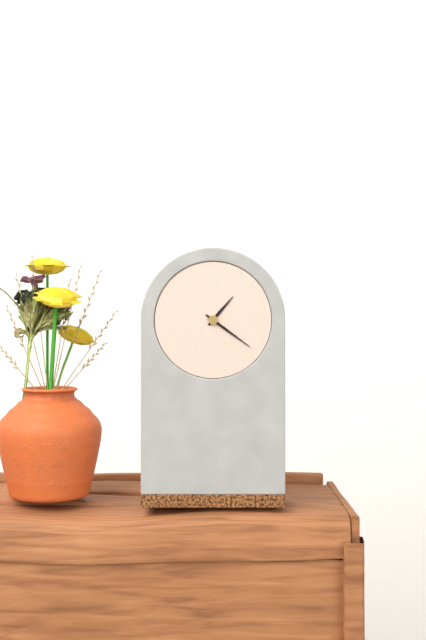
{"hour": 1, "minute": 21}
